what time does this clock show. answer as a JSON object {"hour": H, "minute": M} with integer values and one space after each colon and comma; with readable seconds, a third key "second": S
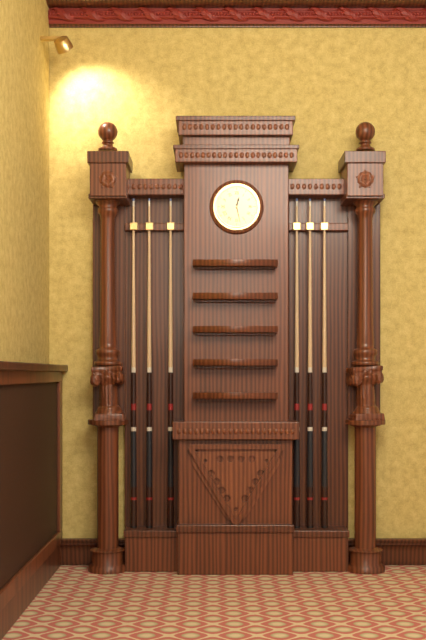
{"hour": 12, "minute": 28}
